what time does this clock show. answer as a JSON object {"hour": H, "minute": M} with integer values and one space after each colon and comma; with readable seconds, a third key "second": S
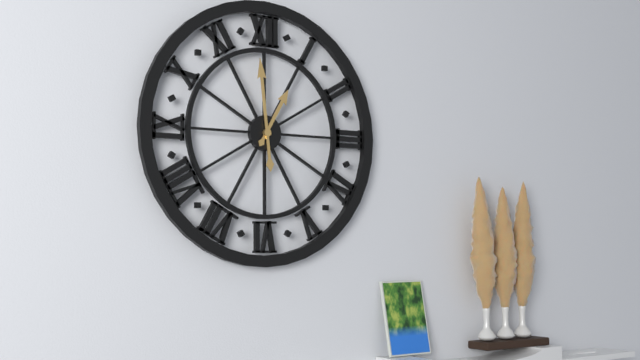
{"hour": 12, "minute": 59}
